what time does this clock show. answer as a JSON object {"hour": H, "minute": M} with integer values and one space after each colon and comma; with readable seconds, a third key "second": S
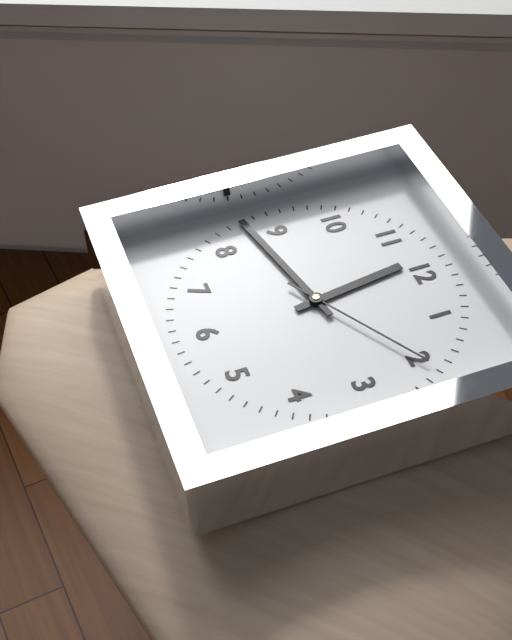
{"hour": 11, "minute": 43, "second": 10}
